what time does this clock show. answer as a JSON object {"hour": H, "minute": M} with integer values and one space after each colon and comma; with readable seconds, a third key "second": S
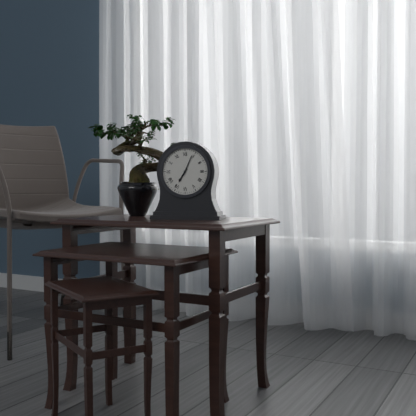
{"hour": 7, "minute": 4}
